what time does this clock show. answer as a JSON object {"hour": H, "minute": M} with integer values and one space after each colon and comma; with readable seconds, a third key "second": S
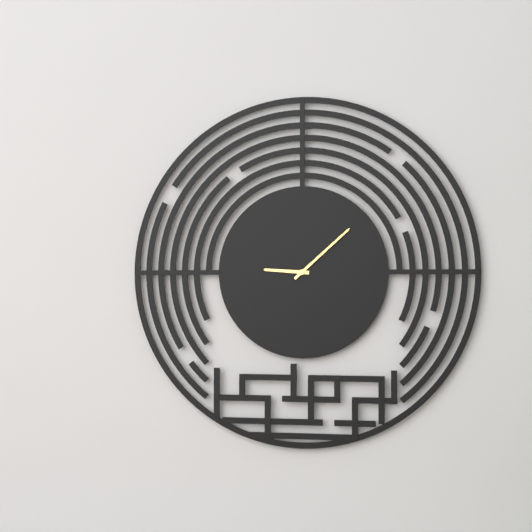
{"hour": 9, "minute": 8}
